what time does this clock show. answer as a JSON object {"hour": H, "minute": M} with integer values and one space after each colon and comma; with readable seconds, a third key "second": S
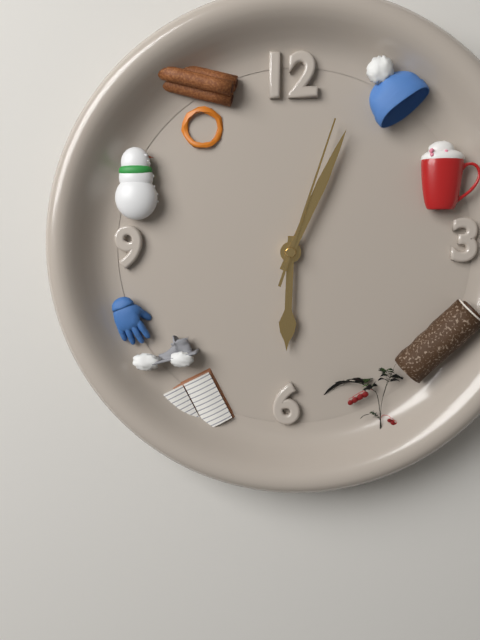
{"hour": 6, "minute": 4, "second": 3}
